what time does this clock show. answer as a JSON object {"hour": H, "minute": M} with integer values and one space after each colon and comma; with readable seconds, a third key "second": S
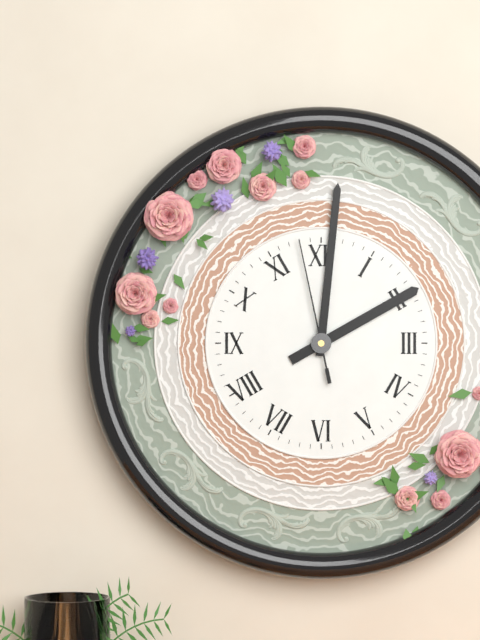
{"hour": 2, "minute": 1, "second": 58}
